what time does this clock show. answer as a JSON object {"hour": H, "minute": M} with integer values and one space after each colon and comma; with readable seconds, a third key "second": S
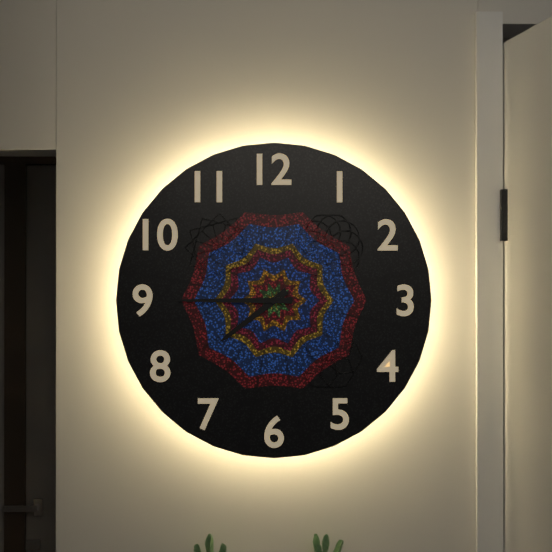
{"hour": 7, "minute": 45}
